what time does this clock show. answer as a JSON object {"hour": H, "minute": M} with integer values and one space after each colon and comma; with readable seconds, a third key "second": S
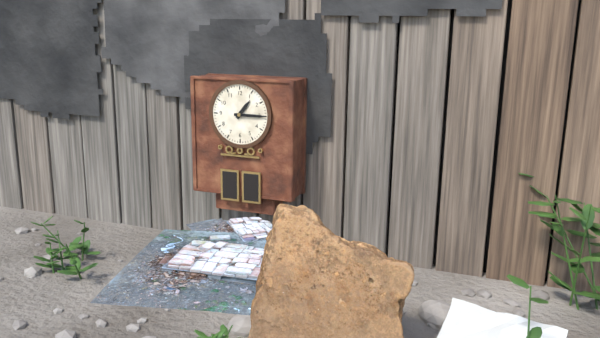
{"hour": 1, "minute": 15}
